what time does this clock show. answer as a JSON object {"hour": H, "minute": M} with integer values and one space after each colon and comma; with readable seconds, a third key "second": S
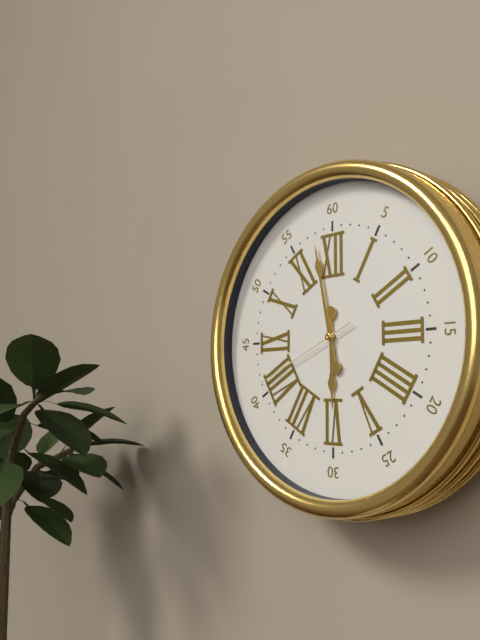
{"hour": 5, "minute": 58, "second": 41}
